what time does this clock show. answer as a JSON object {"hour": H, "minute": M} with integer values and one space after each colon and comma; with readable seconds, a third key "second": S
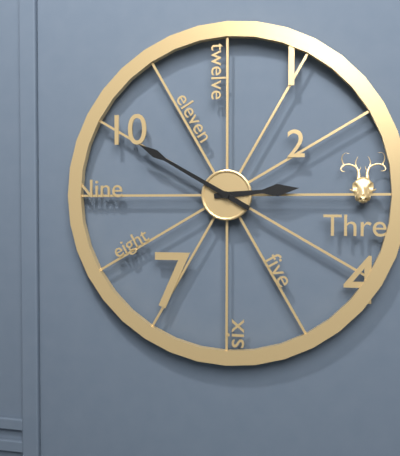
{"hour": 2, "minute": 50}
